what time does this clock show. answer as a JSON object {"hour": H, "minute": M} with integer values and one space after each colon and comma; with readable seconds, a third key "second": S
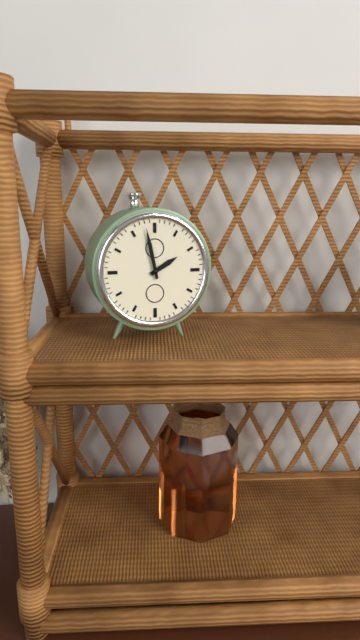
{"hour": 1, "minute": 58}
